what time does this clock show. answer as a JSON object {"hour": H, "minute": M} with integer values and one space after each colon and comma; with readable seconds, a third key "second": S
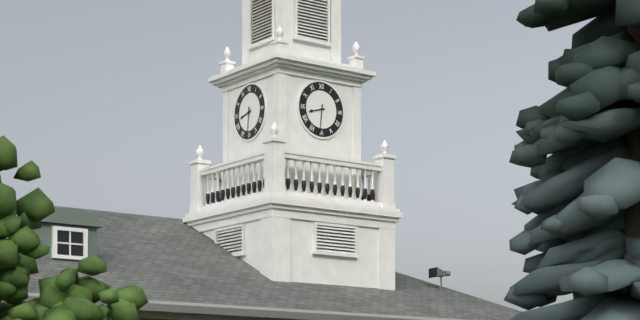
{"hour": 8, "minute": 31}
